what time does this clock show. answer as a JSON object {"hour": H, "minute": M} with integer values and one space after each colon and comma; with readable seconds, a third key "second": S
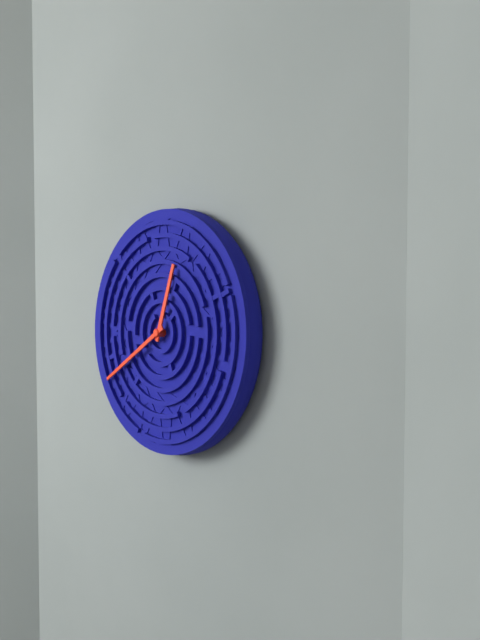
{"hour": 12, "minute": 40}
